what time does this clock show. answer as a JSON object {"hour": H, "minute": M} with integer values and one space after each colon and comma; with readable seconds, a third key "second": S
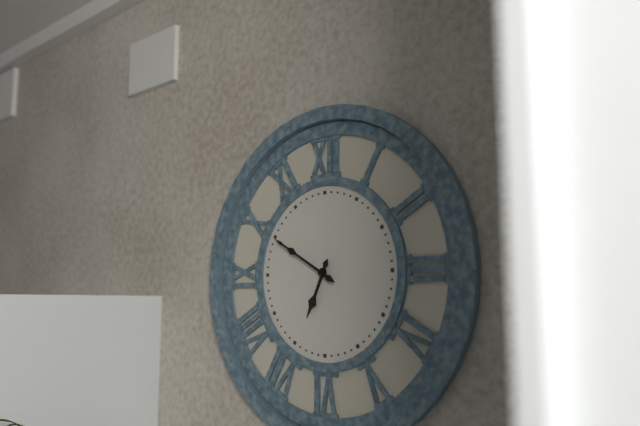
{"hour": 6, "minute": 50}
